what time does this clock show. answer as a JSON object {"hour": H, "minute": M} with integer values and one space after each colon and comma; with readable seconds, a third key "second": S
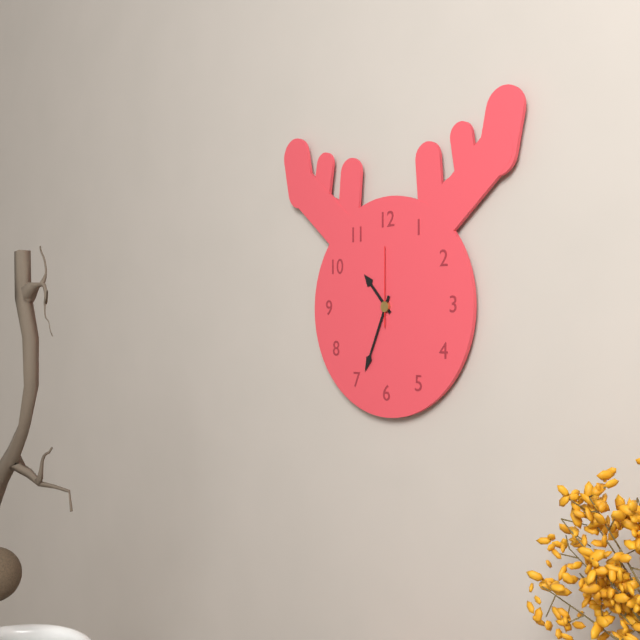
{"hour": 10, "minute": 34, "second": 0}
